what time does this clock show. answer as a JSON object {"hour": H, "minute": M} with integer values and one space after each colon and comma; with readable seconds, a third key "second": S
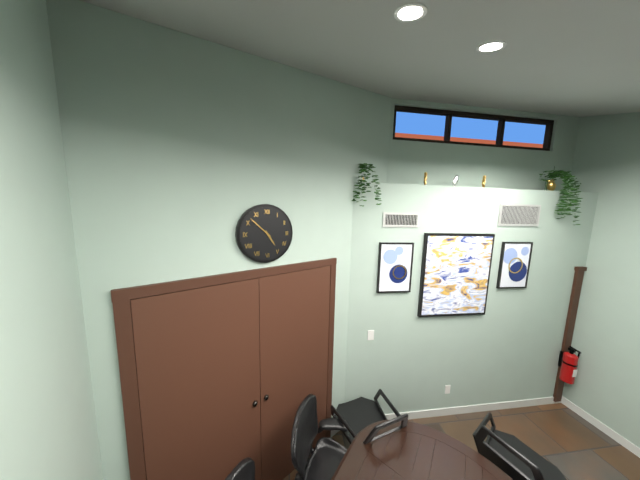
{"hour": 4, "minute": 52}
